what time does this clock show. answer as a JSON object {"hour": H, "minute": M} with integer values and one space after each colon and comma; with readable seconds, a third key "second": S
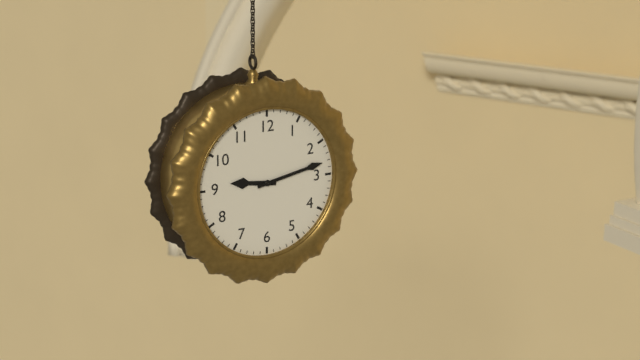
{"hour": 9, "minute": 13}
